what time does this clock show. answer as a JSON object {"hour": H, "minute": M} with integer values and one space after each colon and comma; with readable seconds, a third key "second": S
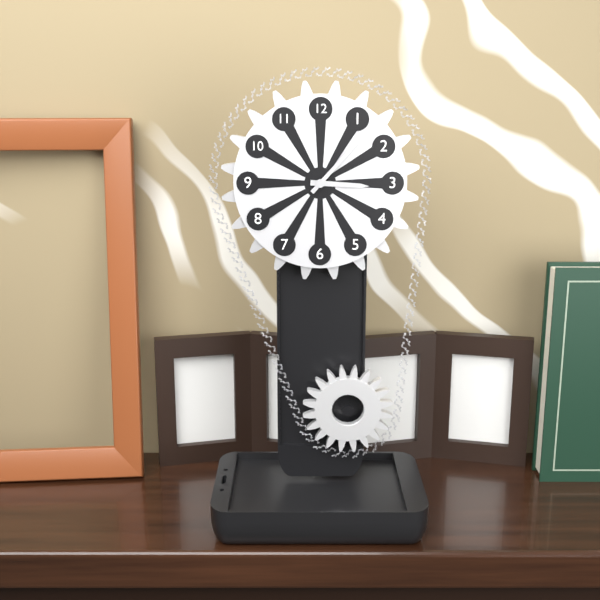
{"hour": 3, "minute": 7}
